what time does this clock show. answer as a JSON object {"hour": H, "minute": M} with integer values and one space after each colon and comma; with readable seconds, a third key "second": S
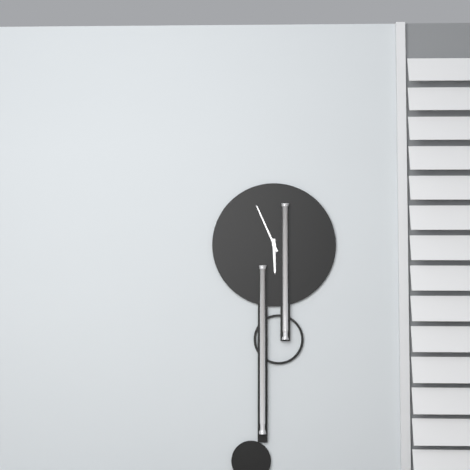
{"hour": 5, "minute": 56}
